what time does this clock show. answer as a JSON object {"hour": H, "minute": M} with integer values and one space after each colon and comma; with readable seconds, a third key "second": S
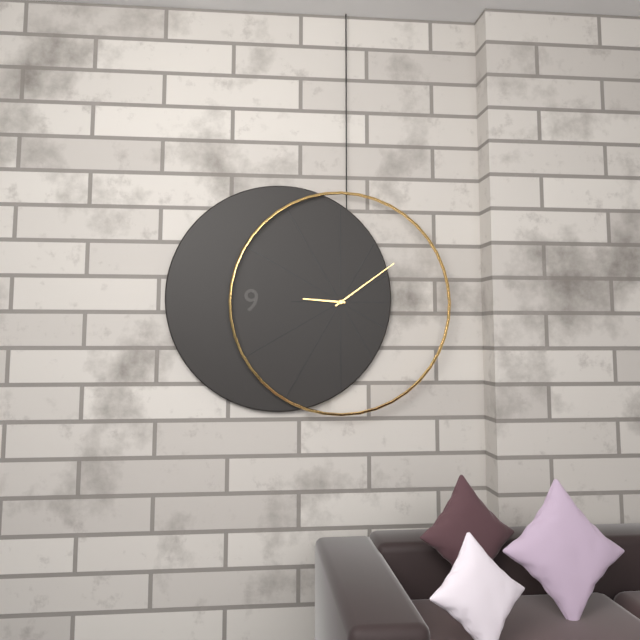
{"hour": 9, "minute": 9}
